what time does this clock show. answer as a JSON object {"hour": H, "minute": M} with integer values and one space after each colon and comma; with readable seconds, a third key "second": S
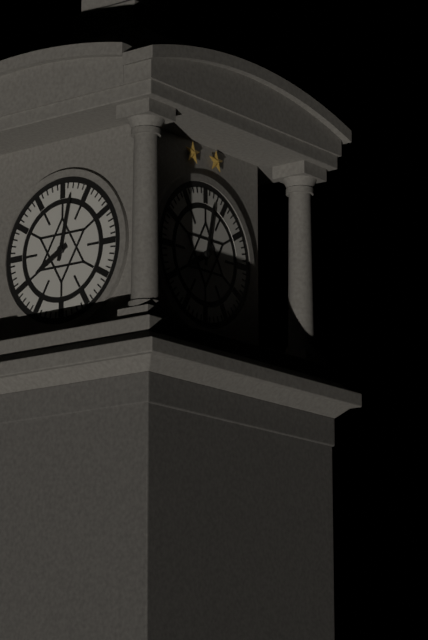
{"hour": 8, "minute": 2}
